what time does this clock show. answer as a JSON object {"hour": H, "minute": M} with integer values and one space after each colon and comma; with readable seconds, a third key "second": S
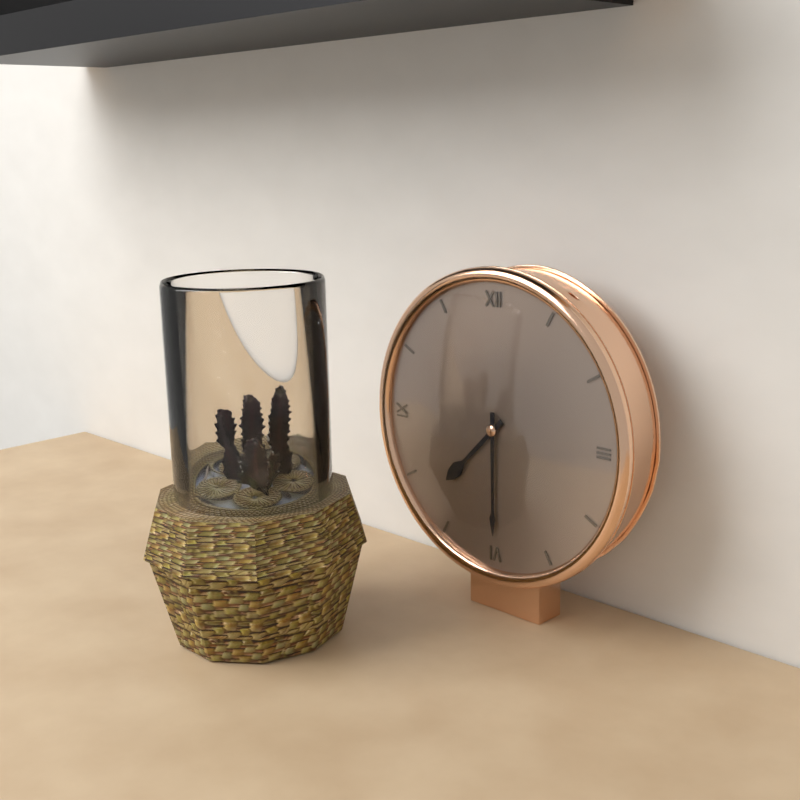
{"hour": 7, "minute": 30}
